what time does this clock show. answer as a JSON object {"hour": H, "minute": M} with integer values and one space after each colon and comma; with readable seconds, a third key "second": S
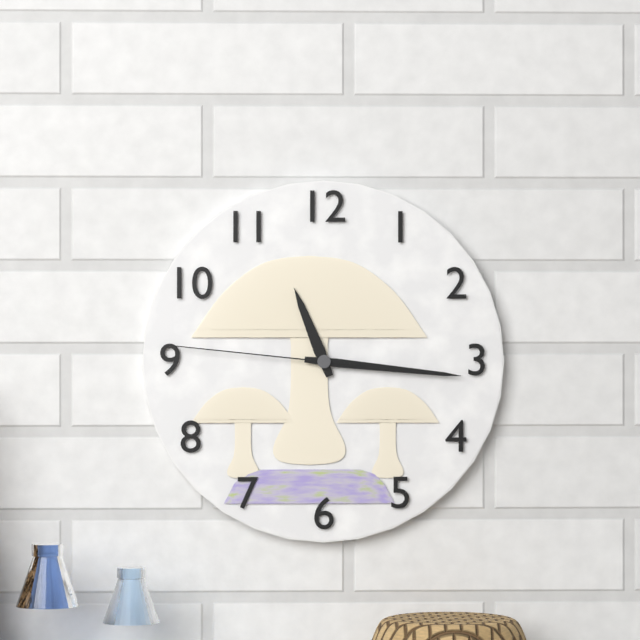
{"hour": 11, "minute": 16, "second": 46}
